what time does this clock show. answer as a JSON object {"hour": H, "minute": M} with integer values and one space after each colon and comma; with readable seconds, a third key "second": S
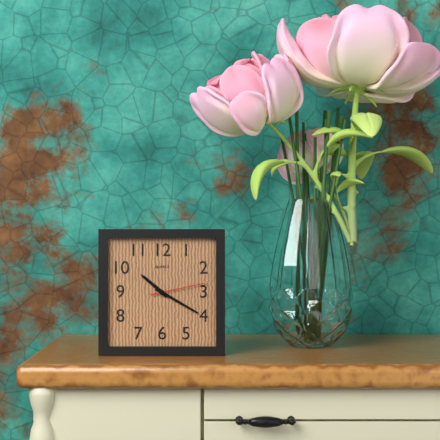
{"hour": 10, "minute": 20, "second": 13}
